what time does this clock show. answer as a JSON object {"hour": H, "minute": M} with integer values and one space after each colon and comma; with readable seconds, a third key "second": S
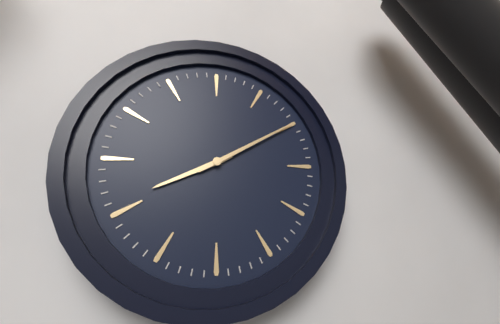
{"hour": 8, "minute": 10}
